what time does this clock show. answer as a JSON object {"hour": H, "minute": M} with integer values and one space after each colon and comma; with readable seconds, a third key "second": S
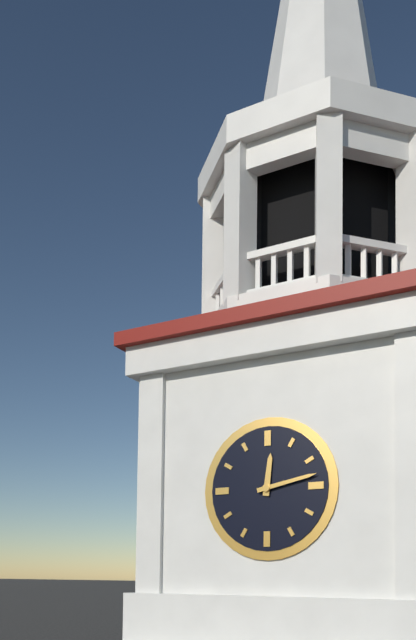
{"hour": 12, "minute": 13}
